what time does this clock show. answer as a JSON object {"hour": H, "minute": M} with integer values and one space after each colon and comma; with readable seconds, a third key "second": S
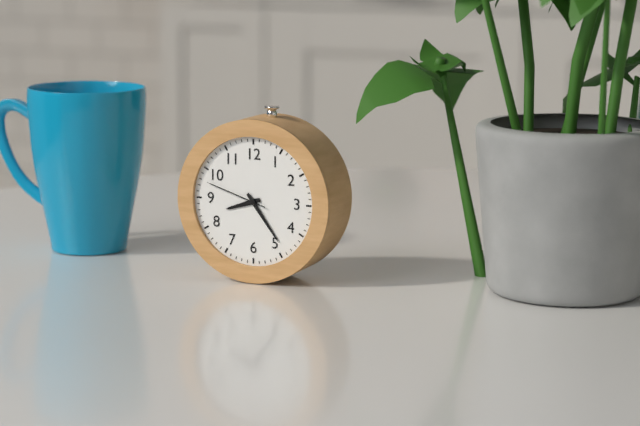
{"hour": 8, "minute": 24, "second": 48}
